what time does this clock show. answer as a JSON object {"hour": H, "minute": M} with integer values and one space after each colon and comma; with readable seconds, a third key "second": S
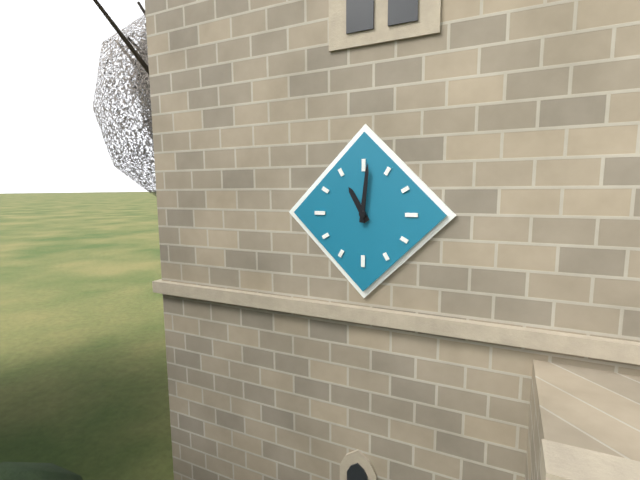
{"hour": 11, "minute": 1}
